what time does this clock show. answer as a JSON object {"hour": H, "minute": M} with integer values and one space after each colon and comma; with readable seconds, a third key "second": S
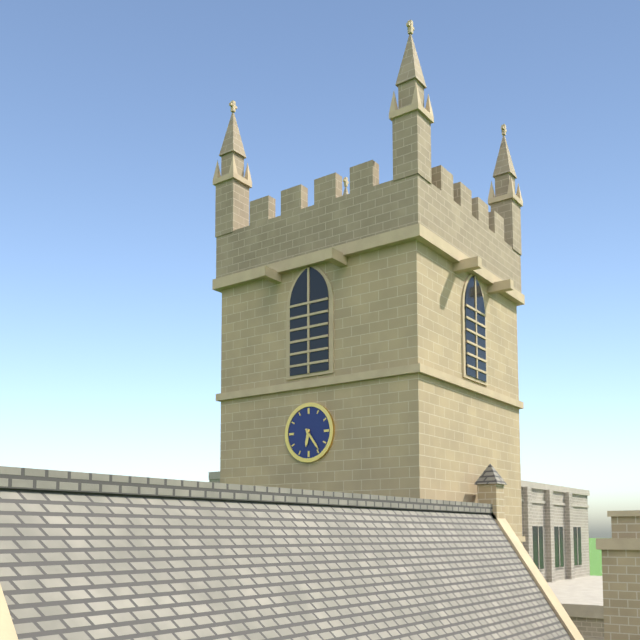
{"hour": 6, "minute": 24}
